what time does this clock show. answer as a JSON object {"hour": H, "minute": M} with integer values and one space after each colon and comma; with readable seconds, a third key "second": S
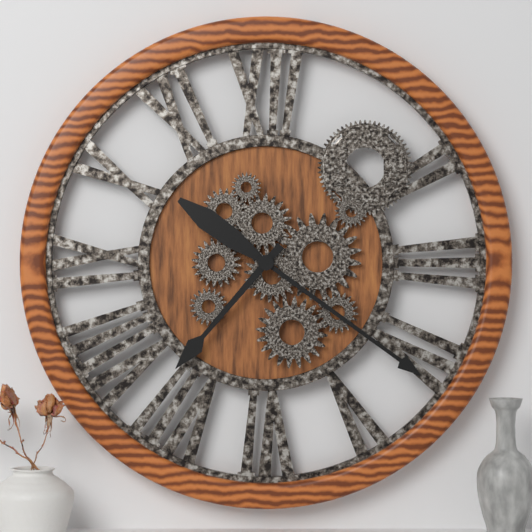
{"hour": 7, "minute": 21}
